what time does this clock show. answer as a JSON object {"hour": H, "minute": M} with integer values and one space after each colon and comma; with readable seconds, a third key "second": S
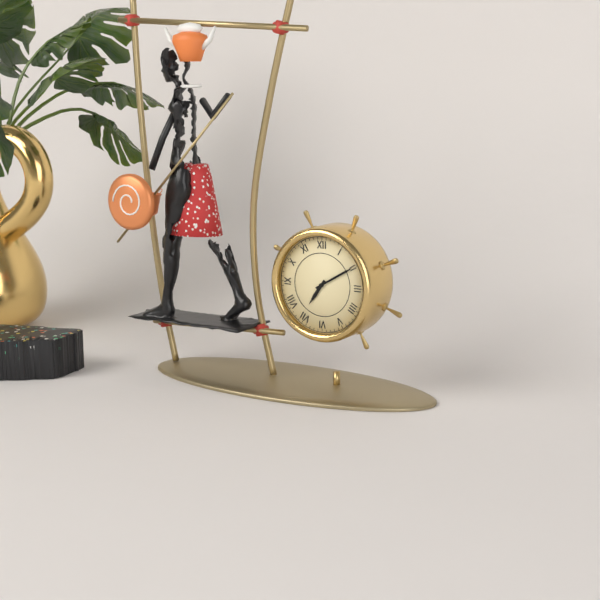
{"hour": 7, "minute": 10}
